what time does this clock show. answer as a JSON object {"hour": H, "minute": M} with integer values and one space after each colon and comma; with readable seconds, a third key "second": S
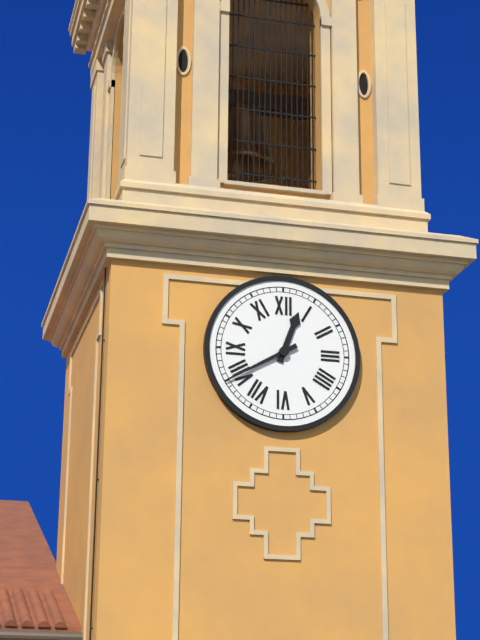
{"hour": 12, "minute": 40}
